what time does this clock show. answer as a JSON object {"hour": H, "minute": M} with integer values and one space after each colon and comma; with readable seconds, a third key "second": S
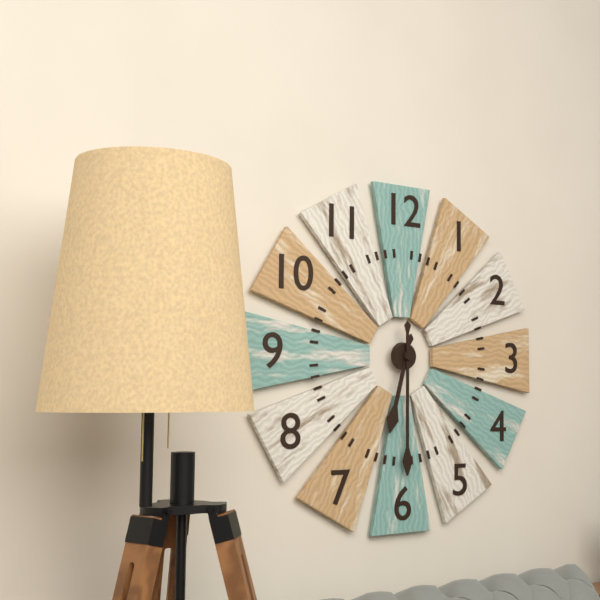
{"hour": 6, "minute": 30}
